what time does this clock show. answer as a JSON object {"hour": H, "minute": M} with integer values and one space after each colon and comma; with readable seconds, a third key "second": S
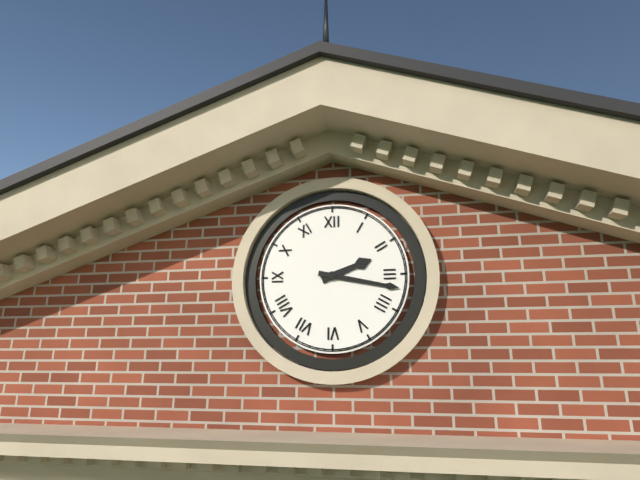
{"hour": 2, "minute": 17}
